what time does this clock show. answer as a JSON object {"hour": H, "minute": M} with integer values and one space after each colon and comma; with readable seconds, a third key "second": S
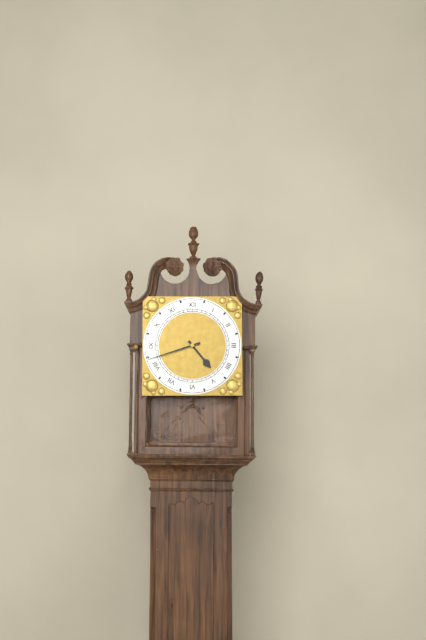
{"hour": 4, "minute": 42}
